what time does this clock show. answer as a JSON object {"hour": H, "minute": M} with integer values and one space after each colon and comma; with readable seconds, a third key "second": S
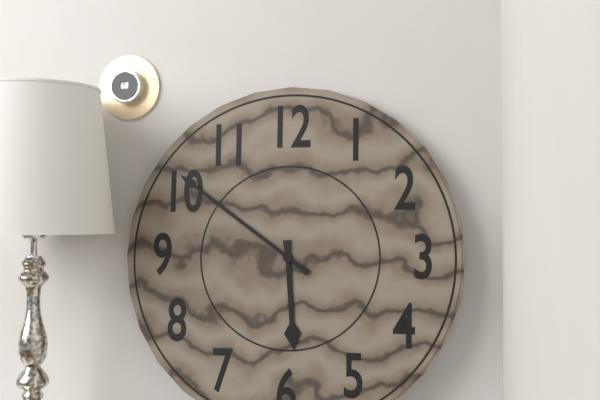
{"hour": 5, "minute": 51}
